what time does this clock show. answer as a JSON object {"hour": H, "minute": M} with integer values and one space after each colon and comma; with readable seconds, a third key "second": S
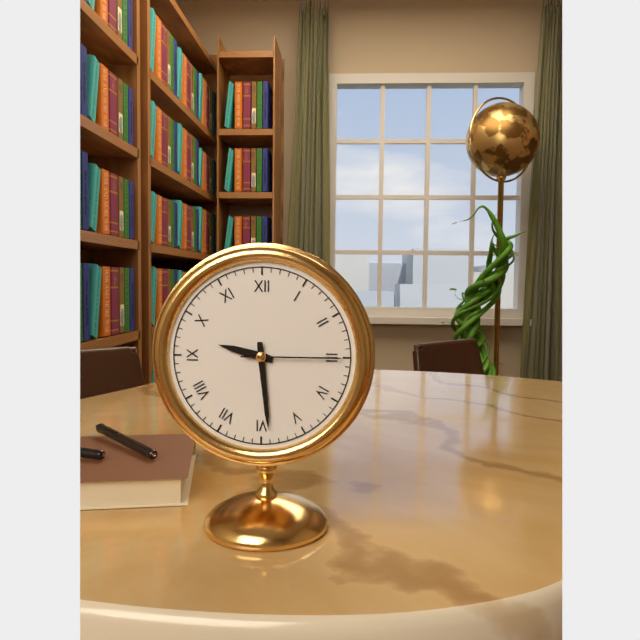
{"hour": 9, "minute": 29, "second": 15}
